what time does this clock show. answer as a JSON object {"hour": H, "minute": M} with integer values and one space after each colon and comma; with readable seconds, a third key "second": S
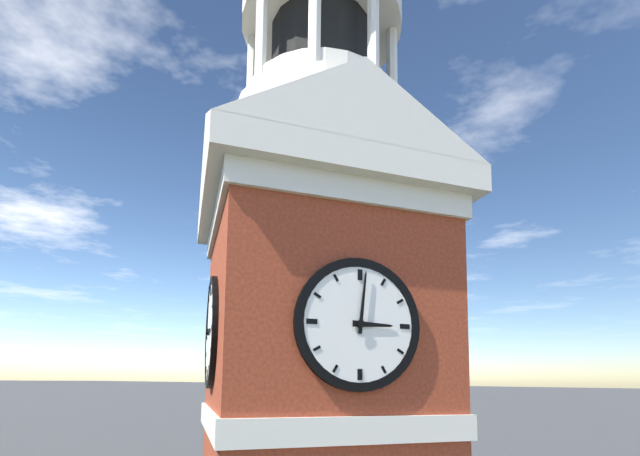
{"hour": 3, "minute": 1}
